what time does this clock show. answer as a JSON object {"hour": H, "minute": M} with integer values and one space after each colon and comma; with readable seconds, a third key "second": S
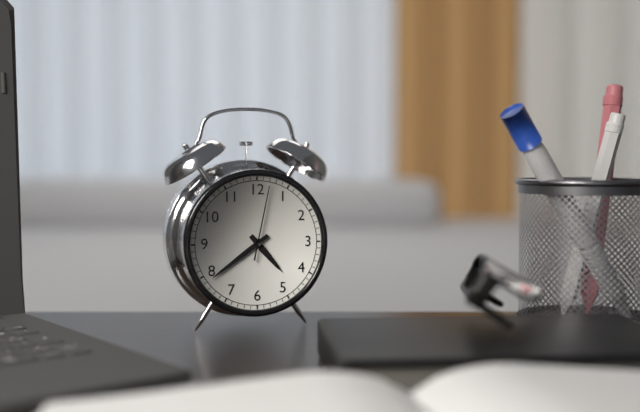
{"hour": 4, "minute": 39, "second": 2}
